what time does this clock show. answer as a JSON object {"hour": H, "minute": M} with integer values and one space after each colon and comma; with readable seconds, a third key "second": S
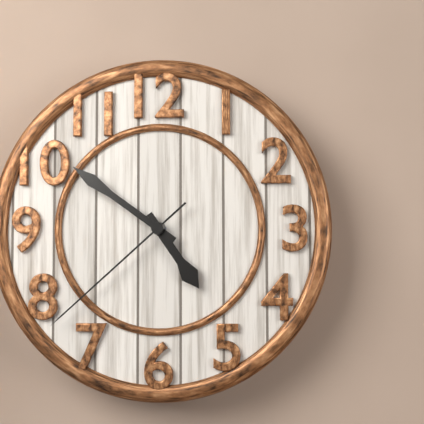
{"hour": 4, "minute": 51, "second": 38}
